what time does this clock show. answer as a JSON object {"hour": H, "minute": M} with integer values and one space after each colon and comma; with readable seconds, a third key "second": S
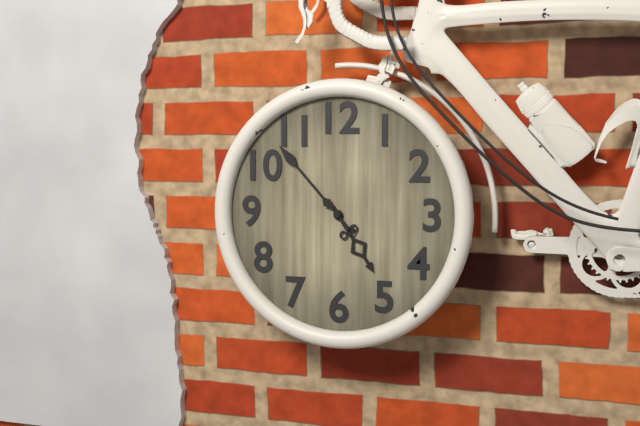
{"hour": 4, "minute": 53}
